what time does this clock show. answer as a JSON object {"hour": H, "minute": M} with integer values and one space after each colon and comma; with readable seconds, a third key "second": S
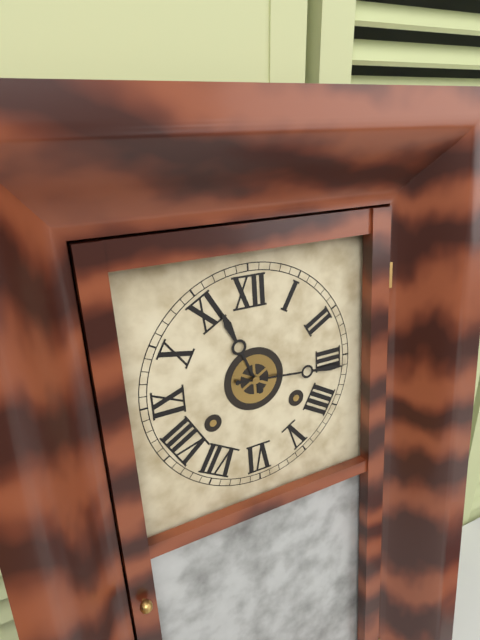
{"hour": 11, "minute": 16}
